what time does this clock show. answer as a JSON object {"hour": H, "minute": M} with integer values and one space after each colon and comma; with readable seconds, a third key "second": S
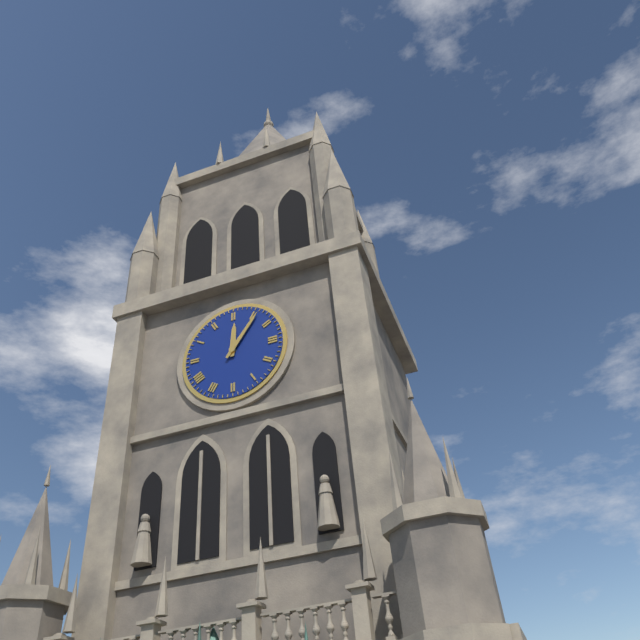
{"hour": 12, "minute": 6}
